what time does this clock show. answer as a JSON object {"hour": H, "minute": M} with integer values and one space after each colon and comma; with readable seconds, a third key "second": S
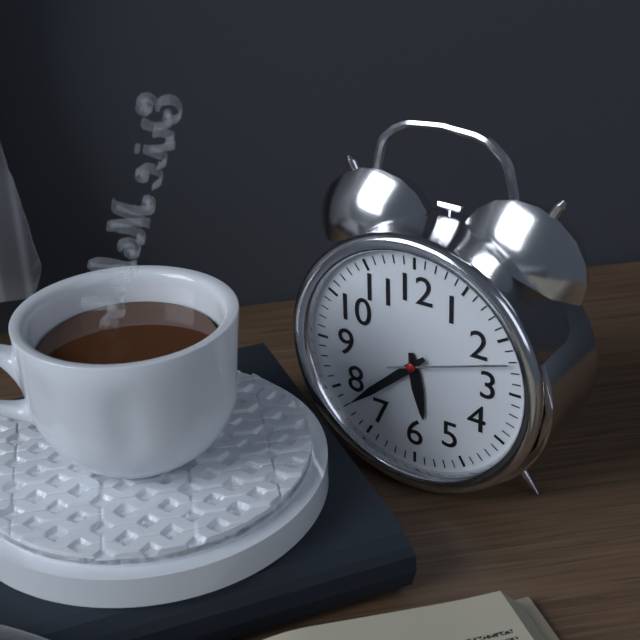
{"hour": 5, "minute": 38, "second": 12}
